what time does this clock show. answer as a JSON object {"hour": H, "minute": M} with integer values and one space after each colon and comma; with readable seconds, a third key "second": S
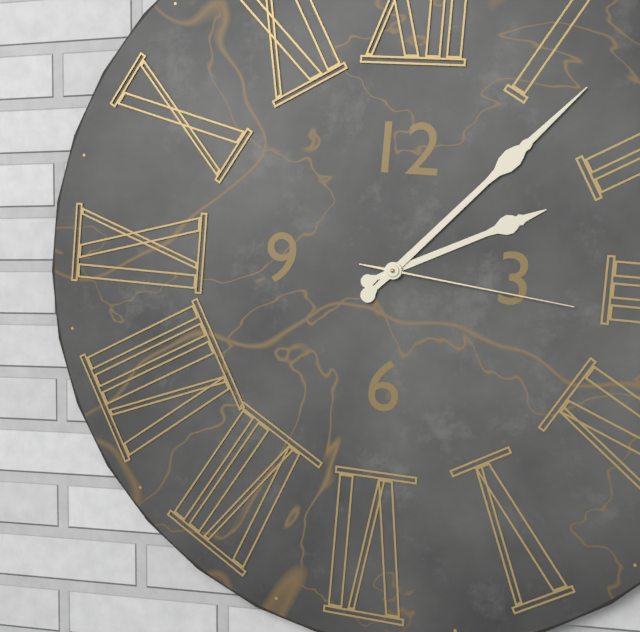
{"hour": 2, "minute": 7, "second": 16}
